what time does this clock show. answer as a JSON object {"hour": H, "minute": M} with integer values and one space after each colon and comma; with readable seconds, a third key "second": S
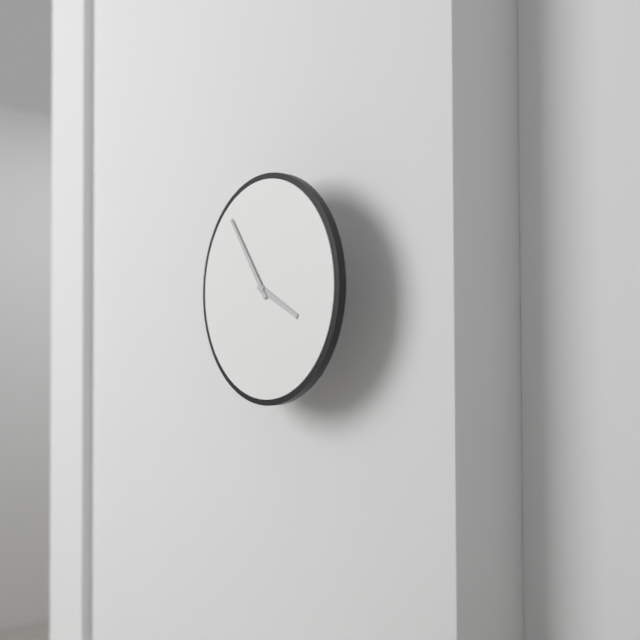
{"hour": 3, "minute": 54}
